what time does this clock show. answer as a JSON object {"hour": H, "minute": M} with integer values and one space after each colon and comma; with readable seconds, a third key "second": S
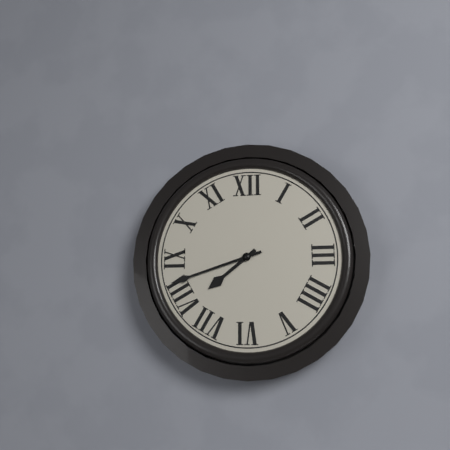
{"hour": 7, "minute": 42}
